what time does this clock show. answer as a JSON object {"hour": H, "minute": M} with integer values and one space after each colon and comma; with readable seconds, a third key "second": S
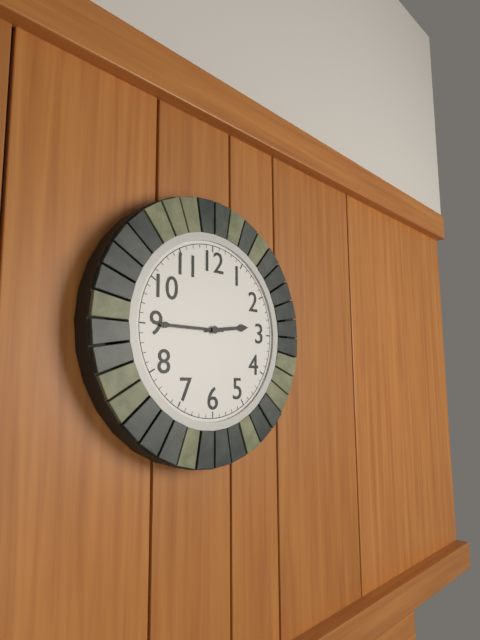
{"hour": 2, "minute": 45}
